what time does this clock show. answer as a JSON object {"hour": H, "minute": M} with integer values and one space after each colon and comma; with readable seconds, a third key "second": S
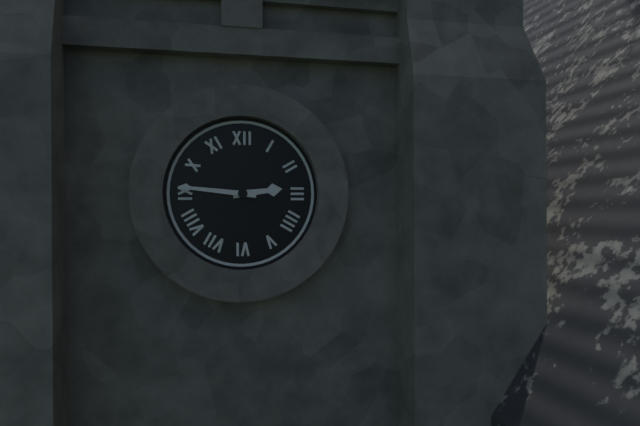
{"hour": 2, "minute": 46}
